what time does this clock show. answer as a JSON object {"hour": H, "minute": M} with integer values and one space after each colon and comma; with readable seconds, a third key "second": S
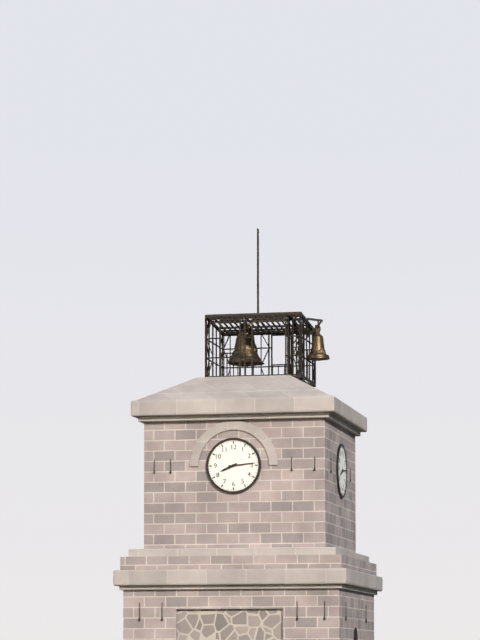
{"hour": 8, "minute": 14}
